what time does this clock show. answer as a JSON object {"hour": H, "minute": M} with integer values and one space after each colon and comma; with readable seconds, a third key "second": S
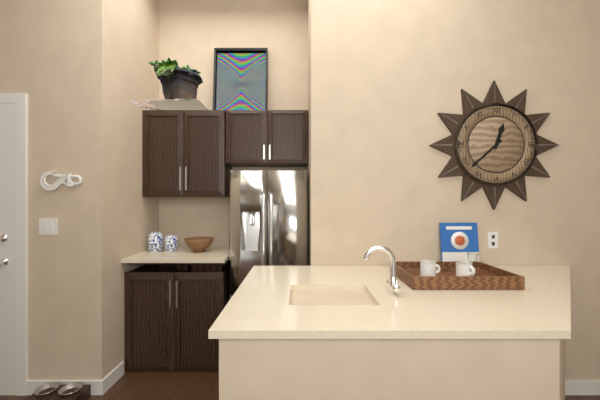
{"hour": 12, "minute": 38}
